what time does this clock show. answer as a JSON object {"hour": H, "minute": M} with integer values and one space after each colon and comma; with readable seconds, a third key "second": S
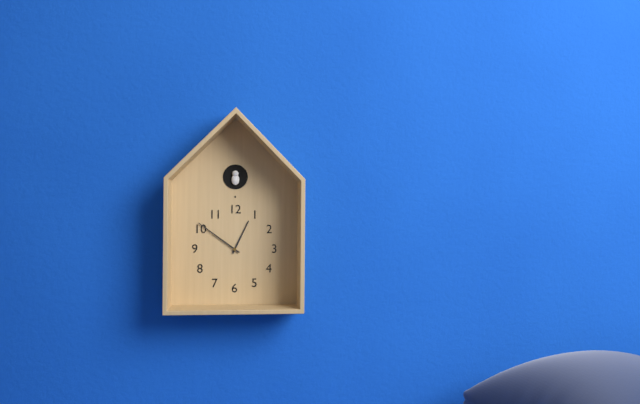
{"hour": 12, "minute": 51}
